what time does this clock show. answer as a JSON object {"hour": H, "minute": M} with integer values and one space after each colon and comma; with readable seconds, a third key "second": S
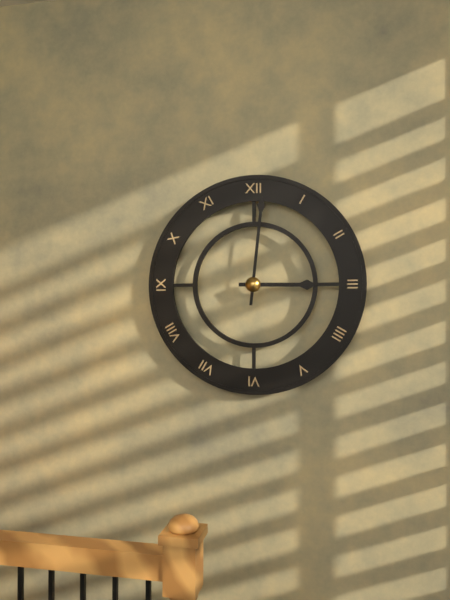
{"hour": 3, "minute": 1}
